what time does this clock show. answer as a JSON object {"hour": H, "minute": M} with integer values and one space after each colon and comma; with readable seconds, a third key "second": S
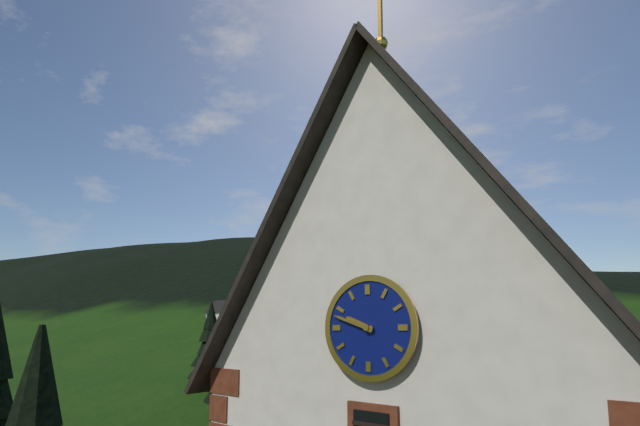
{"hour": 9, "minute": 48}
